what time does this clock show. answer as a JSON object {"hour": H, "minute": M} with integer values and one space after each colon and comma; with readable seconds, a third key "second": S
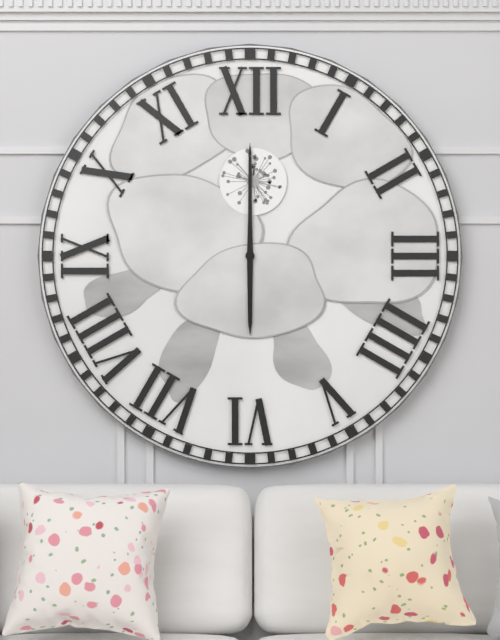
{"hour": 6, "minute": 0}
